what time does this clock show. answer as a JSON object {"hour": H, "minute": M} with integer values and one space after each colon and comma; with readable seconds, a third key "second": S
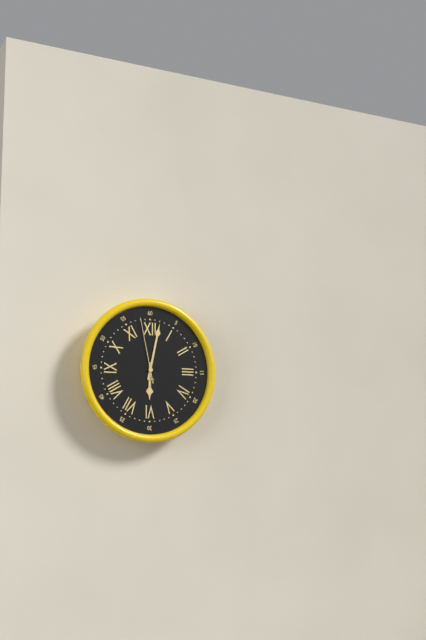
{"hour": 6, "minute": 2, "second": 58}
